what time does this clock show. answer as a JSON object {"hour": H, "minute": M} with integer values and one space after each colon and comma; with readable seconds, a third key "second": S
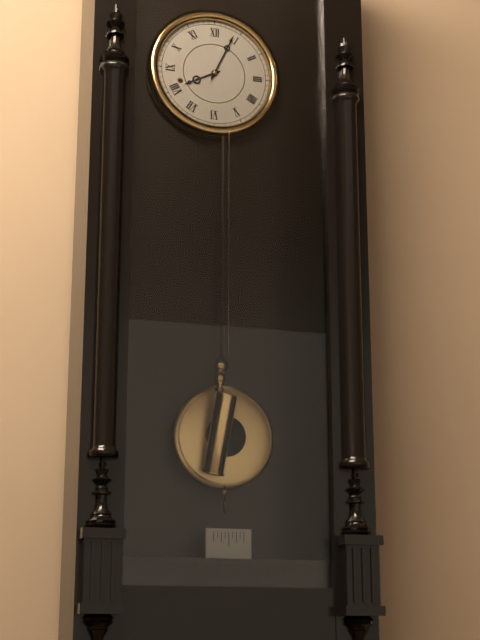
{"hour": 8, "minute": 4}
